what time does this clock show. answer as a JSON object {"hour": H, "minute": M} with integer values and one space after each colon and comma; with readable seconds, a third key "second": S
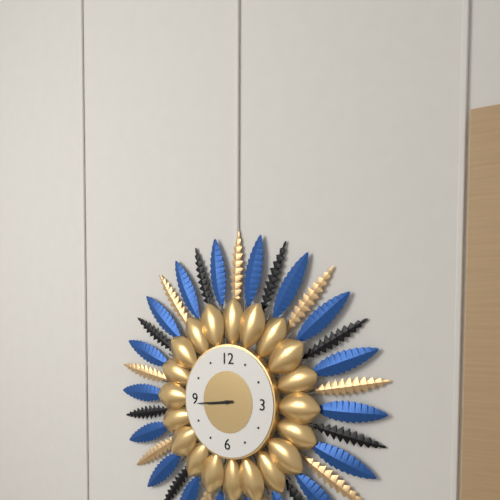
{"hour": 8, "minute": 44}
